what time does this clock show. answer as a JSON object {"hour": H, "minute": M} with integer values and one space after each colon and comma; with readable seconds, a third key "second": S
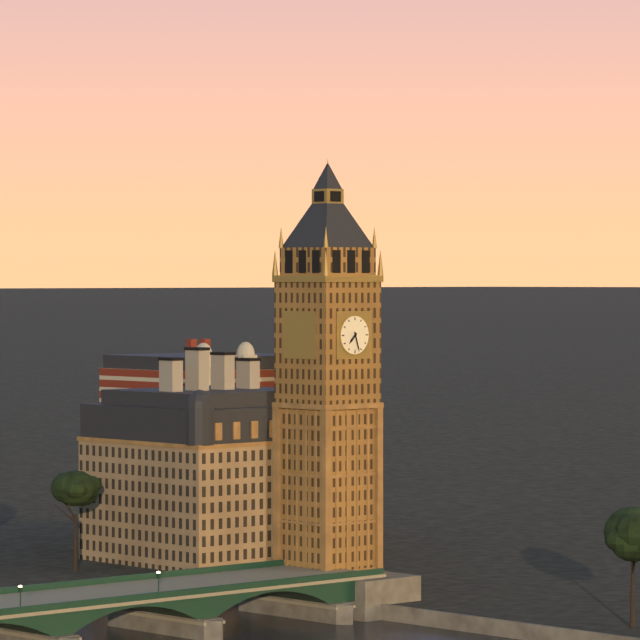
{"hour": 7, "minute": 27}
